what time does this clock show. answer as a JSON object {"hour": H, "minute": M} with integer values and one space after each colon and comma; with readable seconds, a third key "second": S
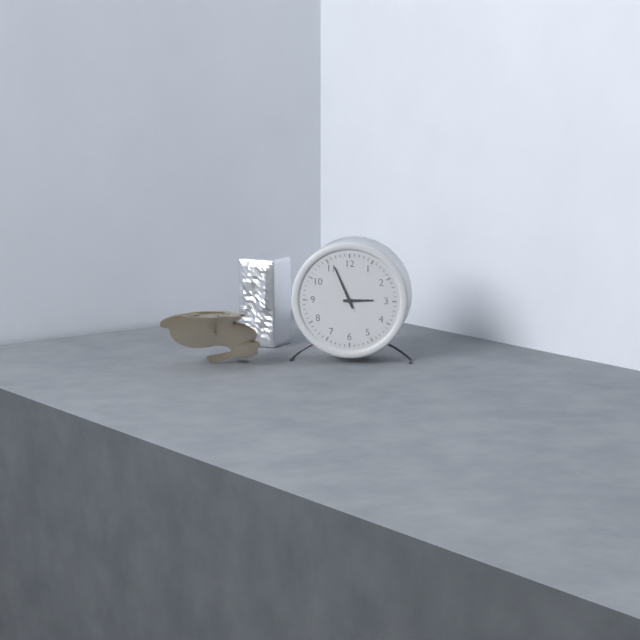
{"hour": 2, "minute": 56}
